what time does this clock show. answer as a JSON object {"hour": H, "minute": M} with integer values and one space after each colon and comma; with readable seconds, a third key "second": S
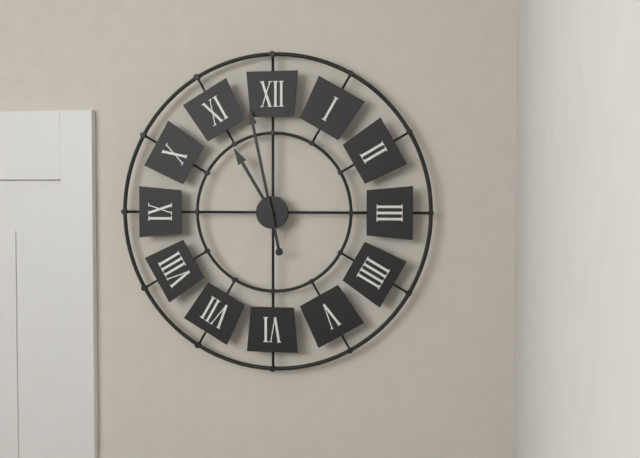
{"hour": 10, "minute": 58}
